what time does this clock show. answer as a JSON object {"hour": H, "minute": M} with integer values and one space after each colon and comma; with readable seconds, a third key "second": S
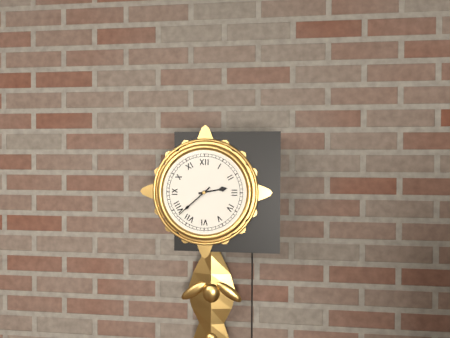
{"hour": 2, "minute": 38}
